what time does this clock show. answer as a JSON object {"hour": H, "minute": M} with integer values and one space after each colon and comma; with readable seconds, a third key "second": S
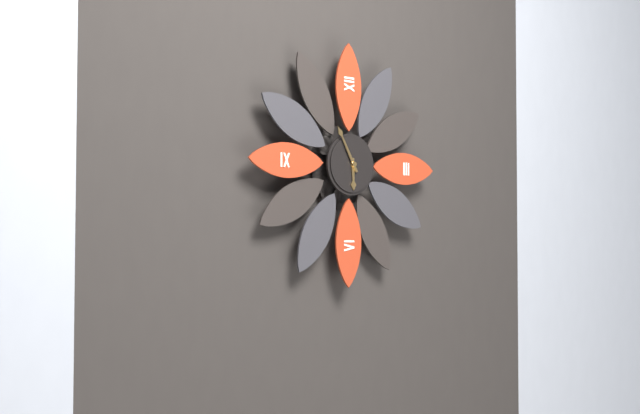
{"hour": 5, "minute": 55}
